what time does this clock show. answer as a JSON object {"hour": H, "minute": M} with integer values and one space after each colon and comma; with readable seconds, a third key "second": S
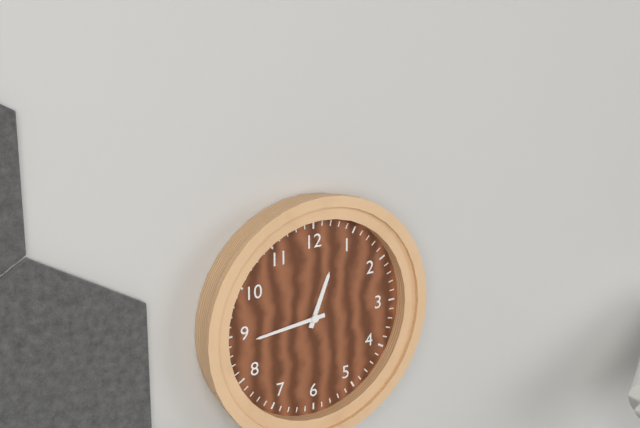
{"hour": 12, "minute": 44}
